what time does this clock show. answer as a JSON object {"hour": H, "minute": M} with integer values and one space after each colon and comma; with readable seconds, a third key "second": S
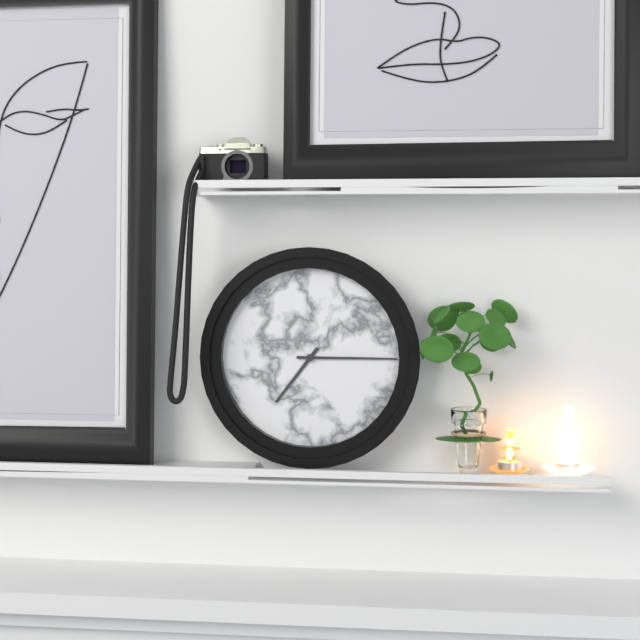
{"hour": 7, "minute": 15}
